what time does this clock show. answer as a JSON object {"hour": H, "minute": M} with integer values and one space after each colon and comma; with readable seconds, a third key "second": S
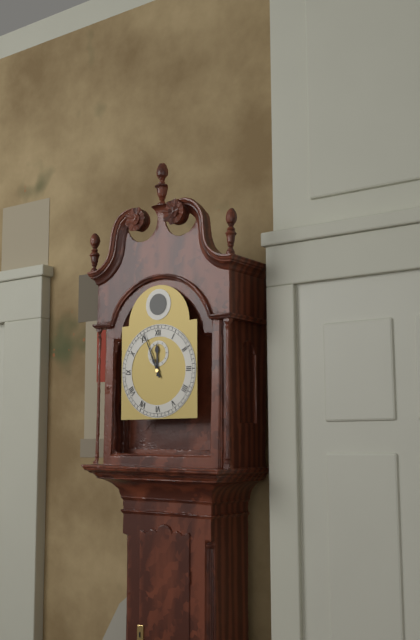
{"hour": 11, "minute": 56}
